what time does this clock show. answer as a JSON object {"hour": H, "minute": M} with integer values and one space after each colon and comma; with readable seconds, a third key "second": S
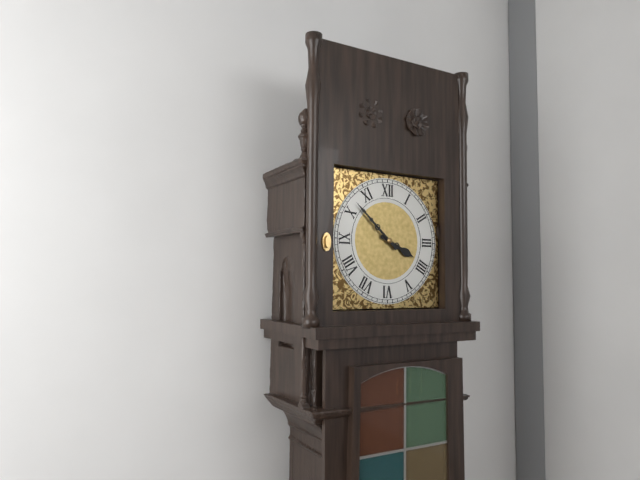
{"hour": 3, "minute": 52}
